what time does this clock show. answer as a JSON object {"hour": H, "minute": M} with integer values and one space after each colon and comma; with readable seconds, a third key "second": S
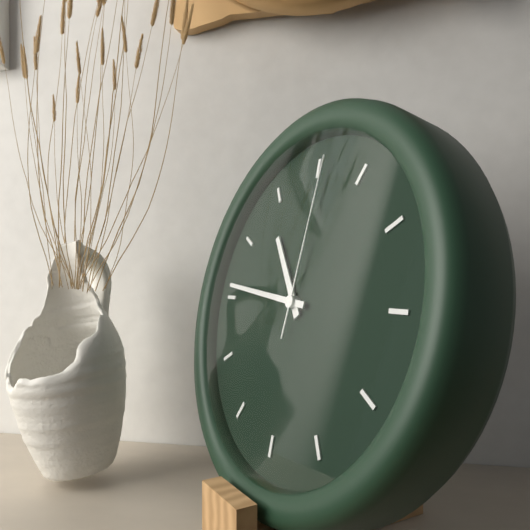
{"hour": 10, "minute": 46, "second": 1}
